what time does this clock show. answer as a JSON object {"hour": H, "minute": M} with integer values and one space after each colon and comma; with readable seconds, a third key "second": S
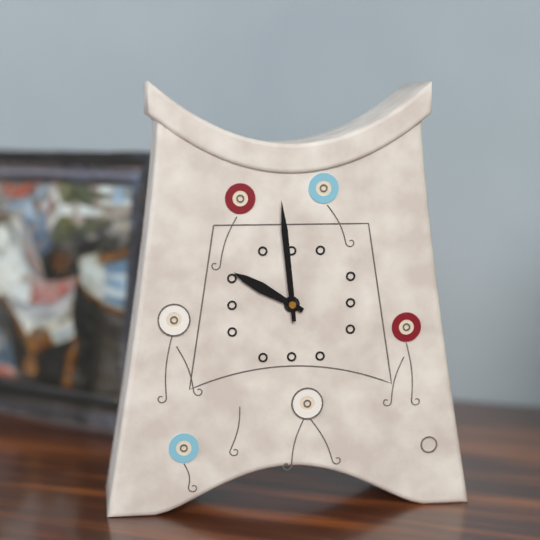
{"hour": 9, "minute": 59}
